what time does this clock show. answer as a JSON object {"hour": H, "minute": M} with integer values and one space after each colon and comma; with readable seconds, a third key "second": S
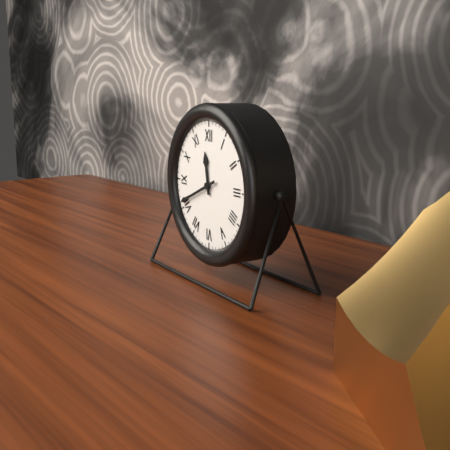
{"hour": 11, "minute": 41}
